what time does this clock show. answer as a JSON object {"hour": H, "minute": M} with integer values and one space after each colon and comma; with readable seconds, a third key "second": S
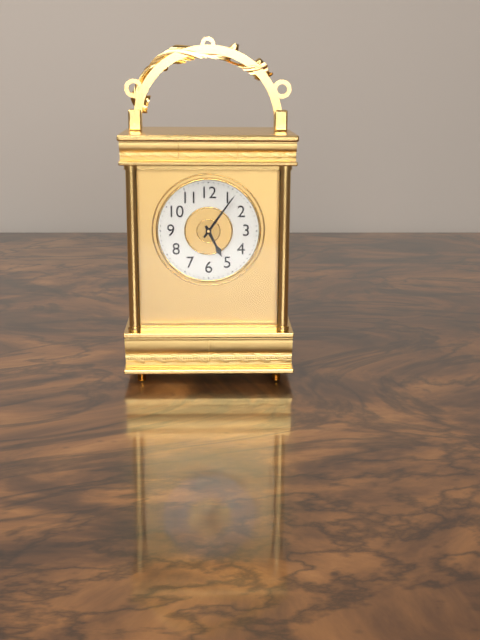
{"hour": 5, "minute": 6}
